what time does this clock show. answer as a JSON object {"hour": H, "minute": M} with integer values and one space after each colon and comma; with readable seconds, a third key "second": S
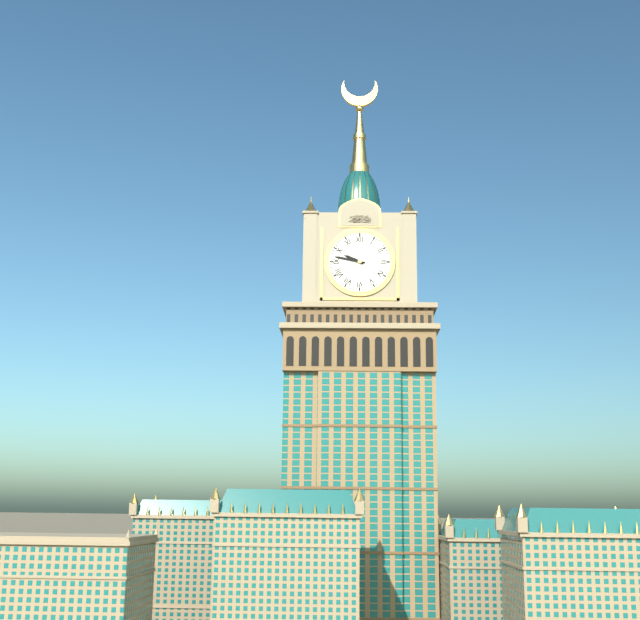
{"hour": 9, "minute": 47}
